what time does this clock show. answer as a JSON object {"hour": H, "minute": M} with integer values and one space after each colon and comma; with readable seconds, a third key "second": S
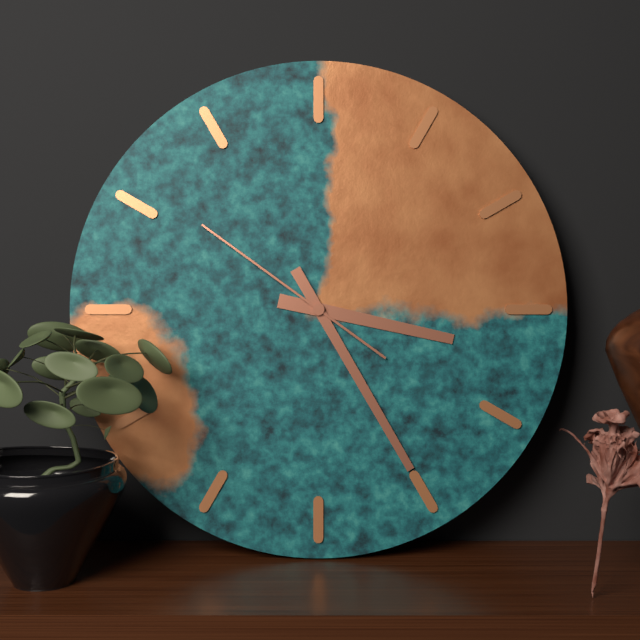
{"hour": 3, "minute": 25, "second": 51}
